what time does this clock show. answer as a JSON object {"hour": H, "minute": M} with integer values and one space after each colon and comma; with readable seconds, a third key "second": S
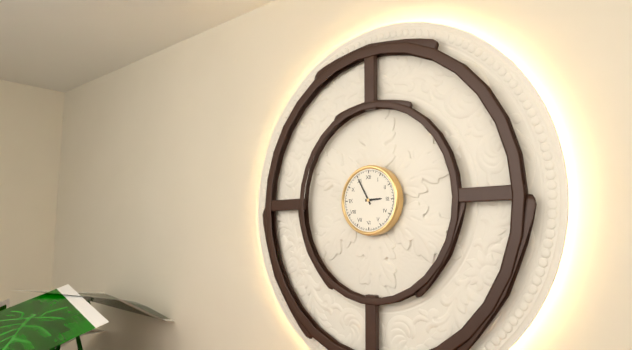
{"hour": 2, "minute": 55}
